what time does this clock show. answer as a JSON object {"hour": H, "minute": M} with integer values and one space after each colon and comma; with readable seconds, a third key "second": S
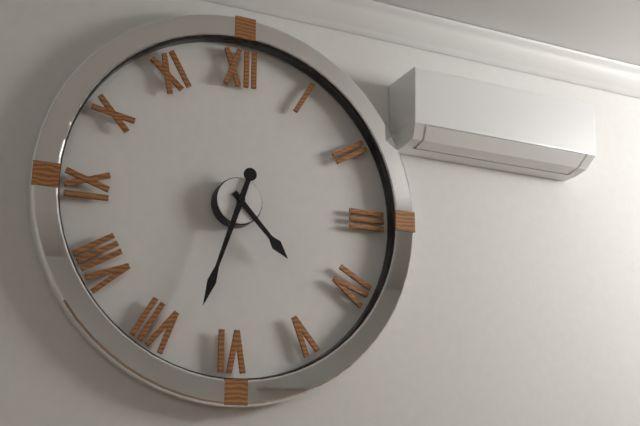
{"hour": 4, "minute": 33}
